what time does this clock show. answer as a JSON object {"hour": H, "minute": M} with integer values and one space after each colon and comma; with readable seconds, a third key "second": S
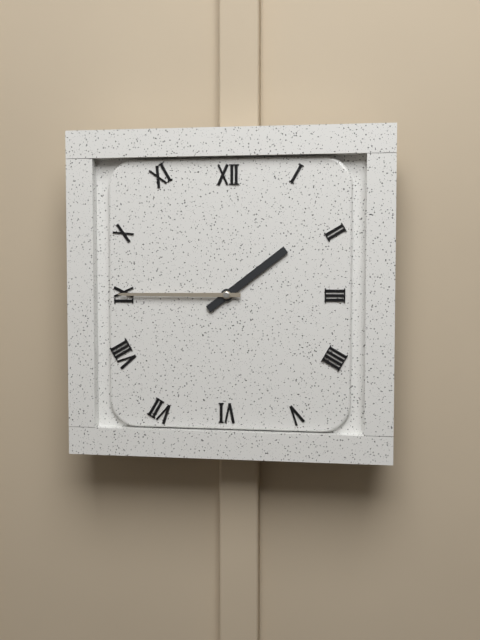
{"hour": 1, "minute": 45}
